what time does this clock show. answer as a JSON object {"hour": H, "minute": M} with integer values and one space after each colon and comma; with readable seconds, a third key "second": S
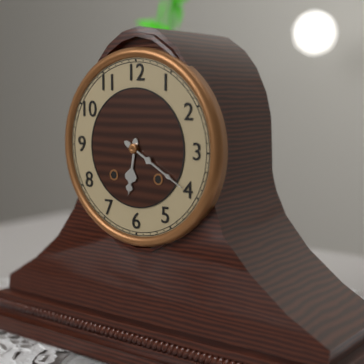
{"hour": 6, "minute": 20}
